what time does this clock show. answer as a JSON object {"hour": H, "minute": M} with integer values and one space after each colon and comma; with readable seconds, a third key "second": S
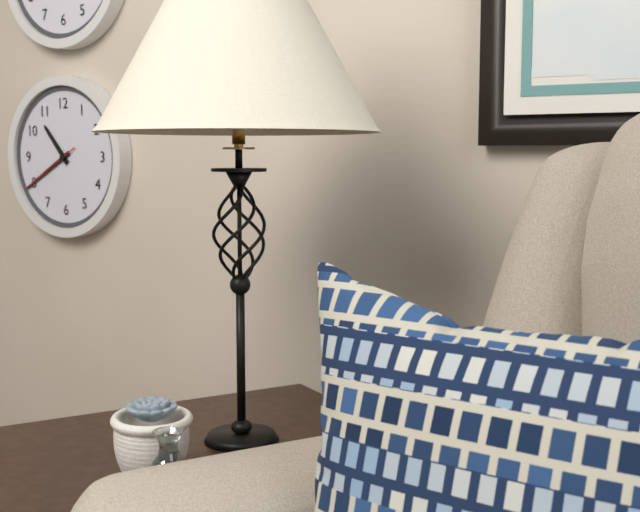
{"hour": 10, "minute": 40, "second": 40}
